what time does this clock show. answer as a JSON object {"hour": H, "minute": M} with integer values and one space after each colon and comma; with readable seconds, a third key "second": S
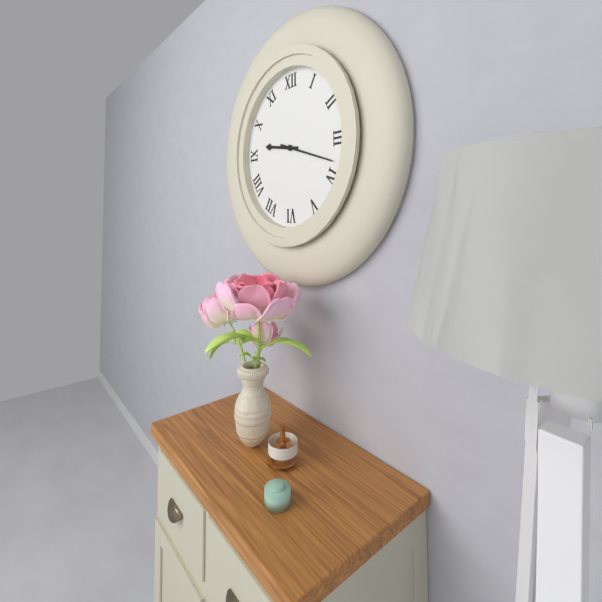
{"hour": 9, "minute": 18}
